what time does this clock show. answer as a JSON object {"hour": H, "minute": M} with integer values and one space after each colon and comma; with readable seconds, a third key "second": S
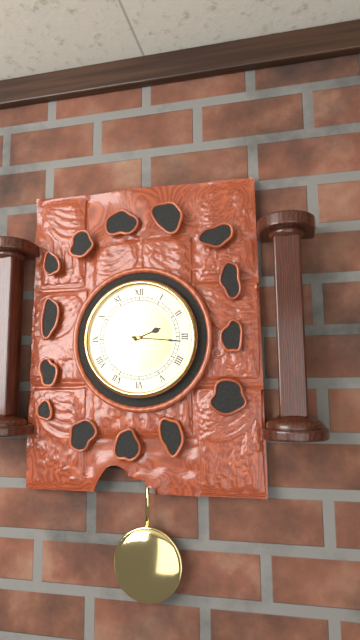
{"hour": 2, "minute": 16}
